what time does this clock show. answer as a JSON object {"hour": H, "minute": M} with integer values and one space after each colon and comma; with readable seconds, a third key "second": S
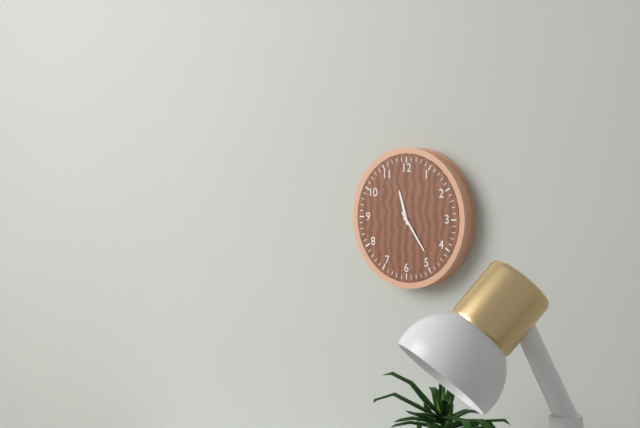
{"hour": 11, "minute": 24}
